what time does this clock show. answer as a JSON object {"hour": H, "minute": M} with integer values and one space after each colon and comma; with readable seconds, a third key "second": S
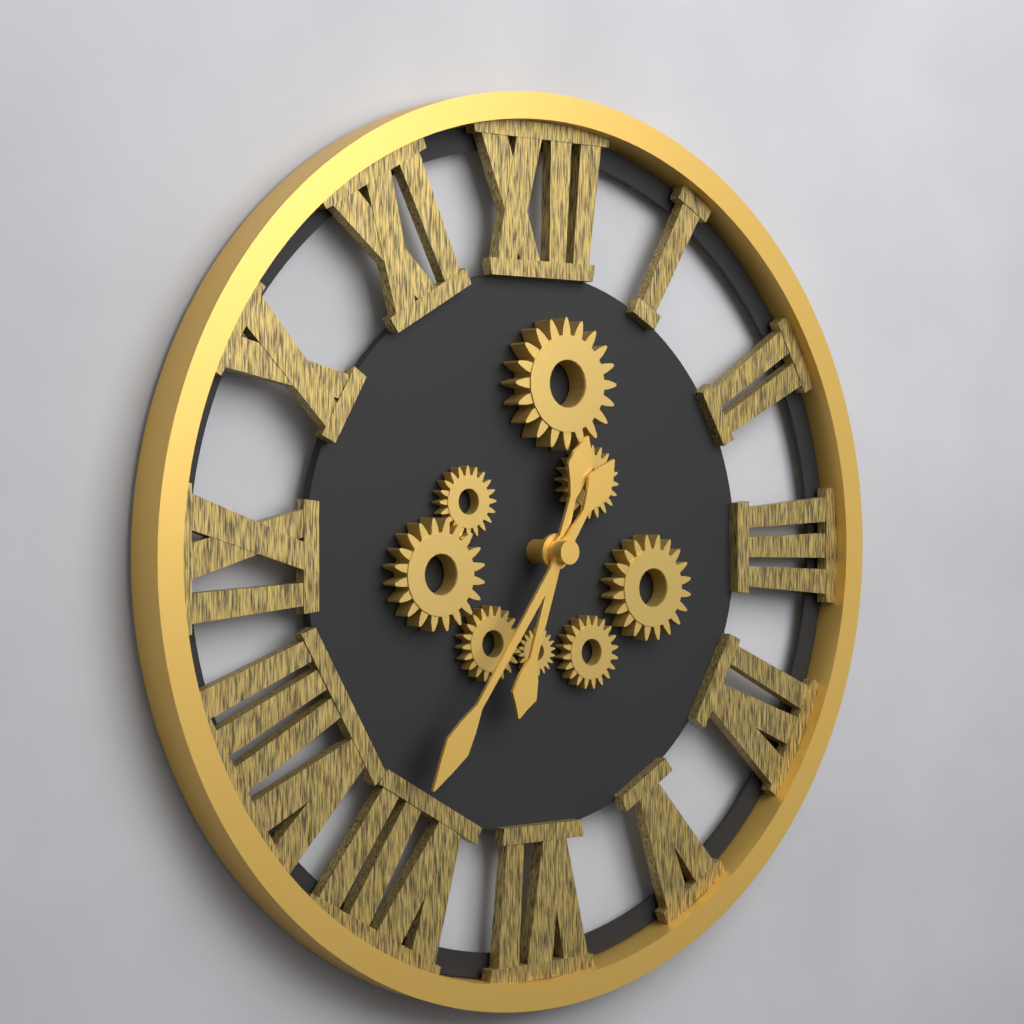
{"hour": 6, "minute": 36}
